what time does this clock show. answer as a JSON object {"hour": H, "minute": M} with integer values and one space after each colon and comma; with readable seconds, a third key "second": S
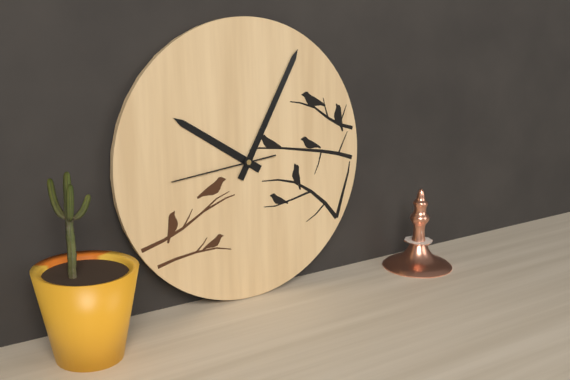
{"hour": 10, "minute": 5, "second": 44}
